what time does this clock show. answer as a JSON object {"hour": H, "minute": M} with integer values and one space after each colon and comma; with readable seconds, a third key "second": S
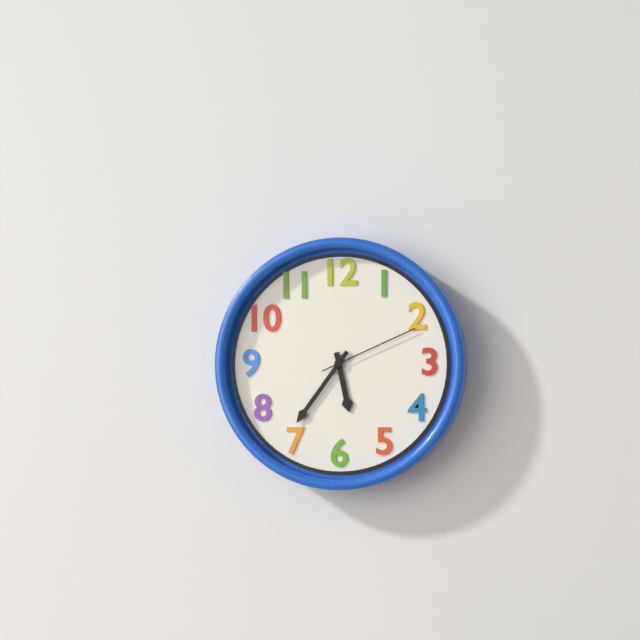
{"hour": 5, "minute": 36, "second": 11}
